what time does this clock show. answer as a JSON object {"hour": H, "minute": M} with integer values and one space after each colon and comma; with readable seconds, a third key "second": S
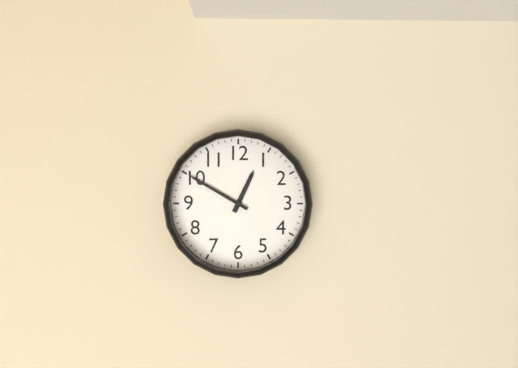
{"hour": 12, "minute": 50}
